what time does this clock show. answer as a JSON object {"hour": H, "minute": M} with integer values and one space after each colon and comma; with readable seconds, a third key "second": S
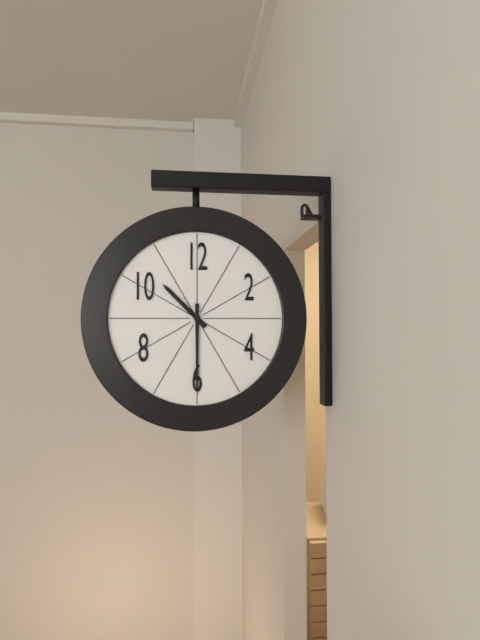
{"hour": 10, "minute": 30}
